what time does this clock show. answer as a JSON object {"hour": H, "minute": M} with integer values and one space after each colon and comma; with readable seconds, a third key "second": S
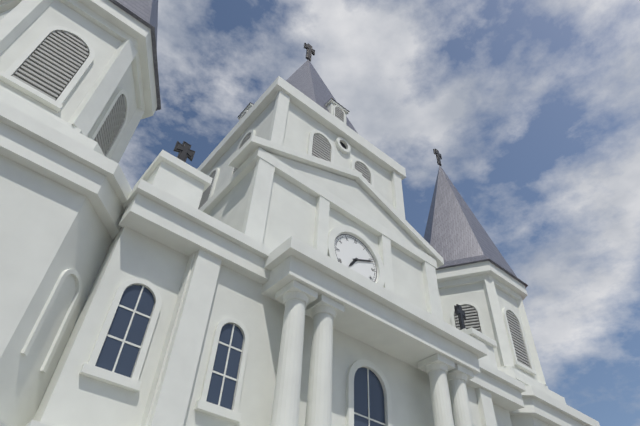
{"hour": 7, "minute": 11}
